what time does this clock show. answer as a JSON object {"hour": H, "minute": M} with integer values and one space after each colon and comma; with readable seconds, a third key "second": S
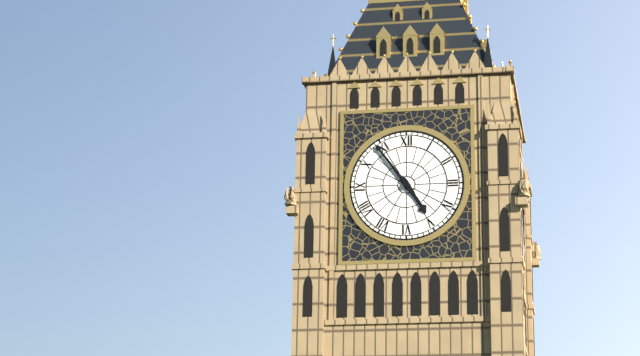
{"hour": 4, "minute": 54}
